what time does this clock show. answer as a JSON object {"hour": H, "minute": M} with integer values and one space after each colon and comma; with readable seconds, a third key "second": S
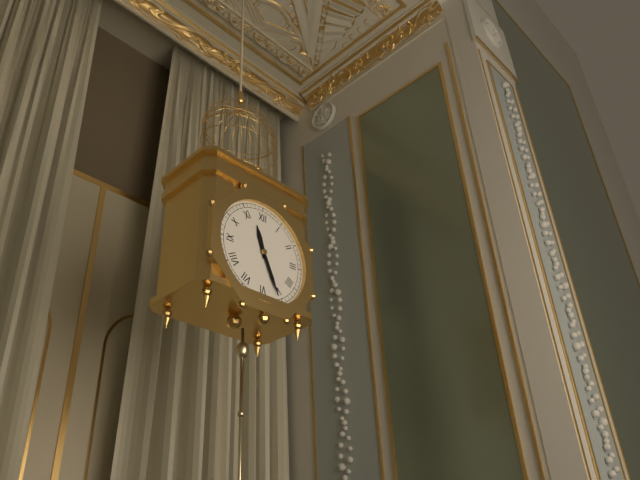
{"hour": 11, "minute": 26}
